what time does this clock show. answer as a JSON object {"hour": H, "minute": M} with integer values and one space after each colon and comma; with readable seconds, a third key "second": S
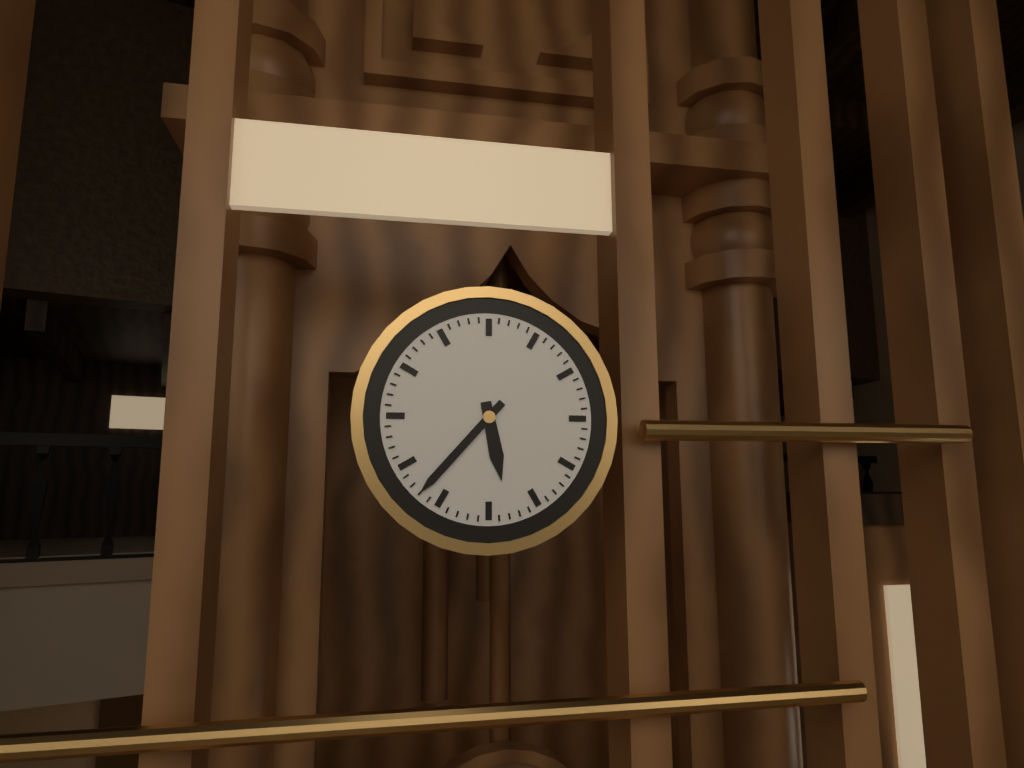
{"hour": 5, "minute": 37}
